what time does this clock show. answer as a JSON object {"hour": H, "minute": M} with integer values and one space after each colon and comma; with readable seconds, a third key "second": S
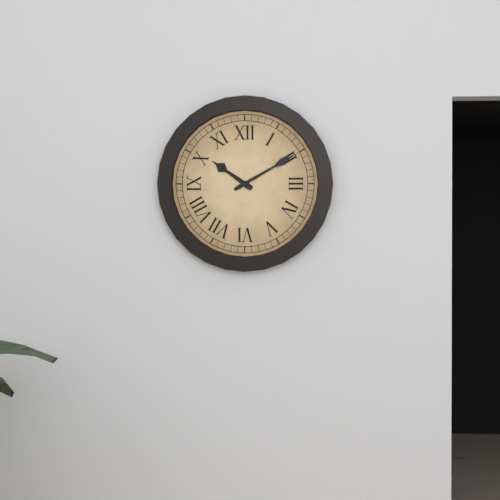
{"hour": 10, "minute": 10}
